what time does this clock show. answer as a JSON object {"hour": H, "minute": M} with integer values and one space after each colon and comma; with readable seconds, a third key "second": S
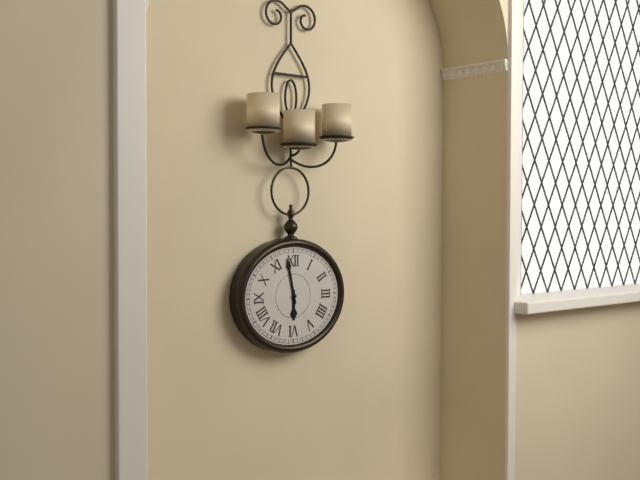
{"hour": 5, "minute": 58}
